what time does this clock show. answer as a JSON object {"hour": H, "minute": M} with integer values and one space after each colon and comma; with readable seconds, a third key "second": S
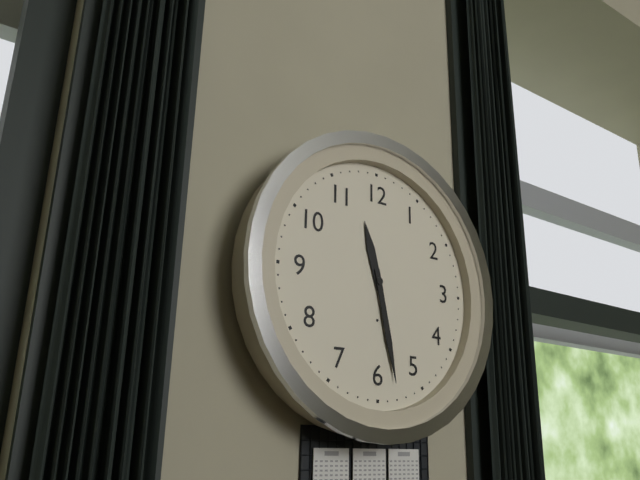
{"hour": 11, "minute": 28}
